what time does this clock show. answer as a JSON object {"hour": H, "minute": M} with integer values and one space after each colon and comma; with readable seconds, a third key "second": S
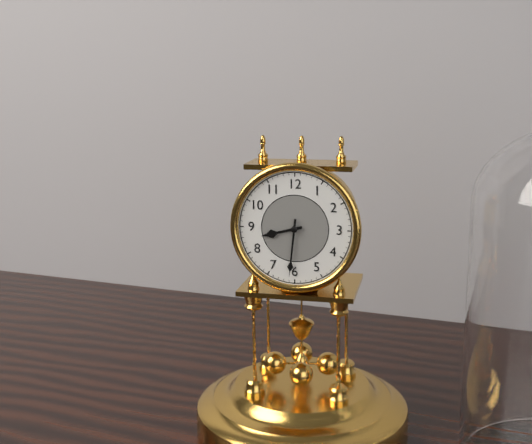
{"hour": 8, "minute": 31}
